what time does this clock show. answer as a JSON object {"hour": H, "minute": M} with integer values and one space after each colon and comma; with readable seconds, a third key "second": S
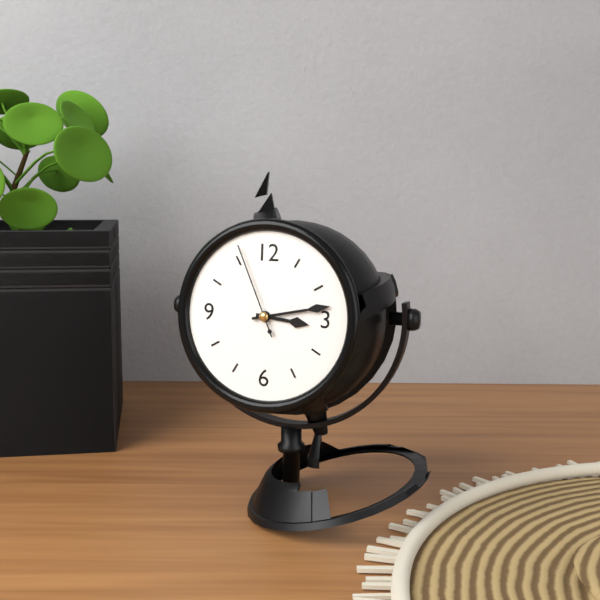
{"hour": 3, "minute": 13, "second": 56}
